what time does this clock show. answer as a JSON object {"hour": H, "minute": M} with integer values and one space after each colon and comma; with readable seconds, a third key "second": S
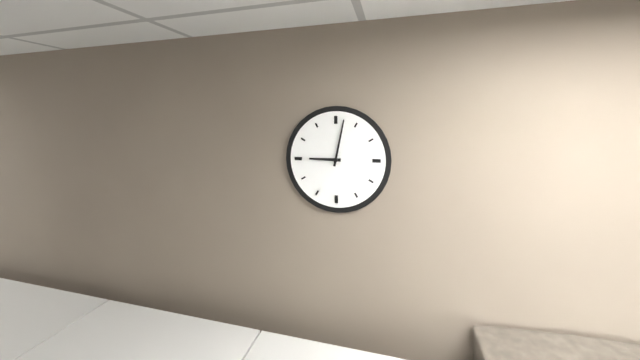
{"hour": 9, "minute": 2}
